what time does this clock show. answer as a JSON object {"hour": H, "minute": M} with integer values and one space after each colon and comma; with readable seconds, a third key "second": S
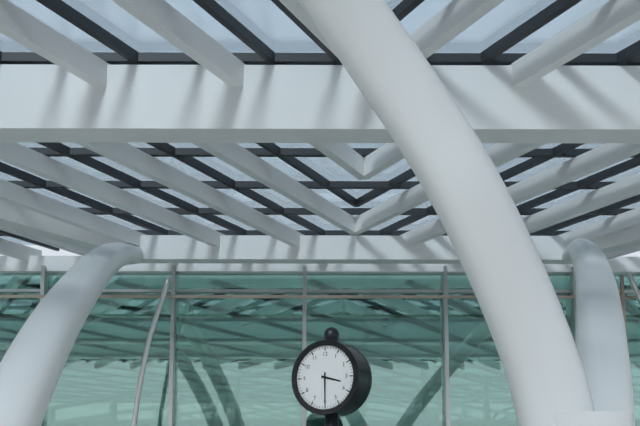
{"hour": 3, "minute": 30}
